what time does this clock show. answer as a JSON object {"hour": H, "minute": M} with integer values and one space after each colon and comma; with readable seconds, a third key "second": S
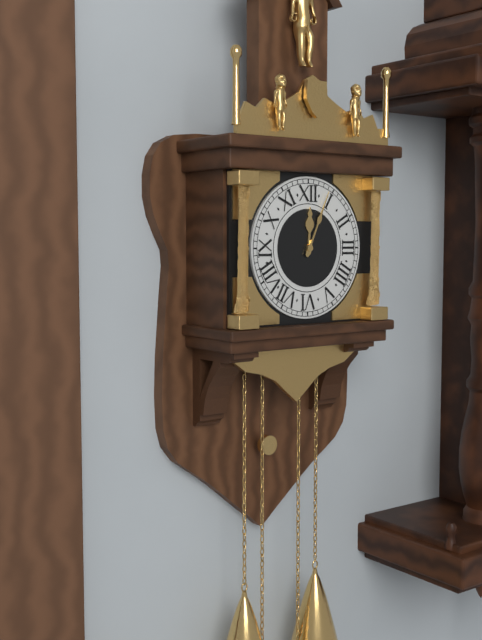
{"hour": 12, "minute": 4}
